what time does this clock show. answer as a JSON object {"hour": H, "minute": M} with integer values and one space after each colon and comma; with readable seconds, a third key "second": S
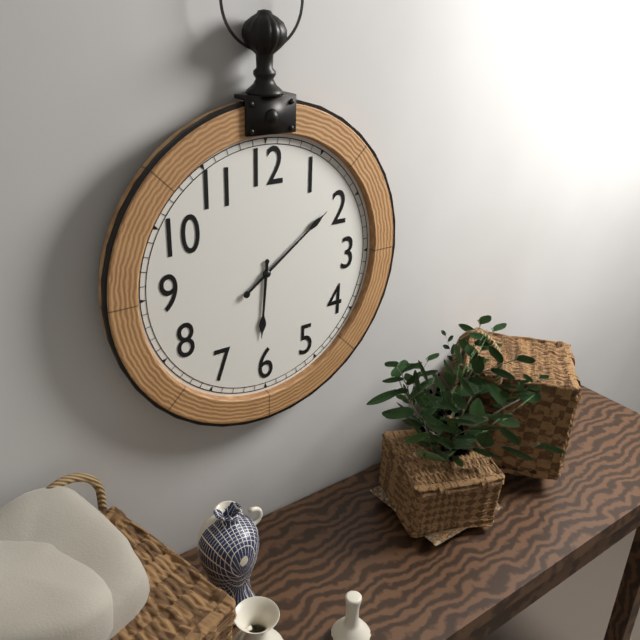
{"hour": 6, "minute": 9}
